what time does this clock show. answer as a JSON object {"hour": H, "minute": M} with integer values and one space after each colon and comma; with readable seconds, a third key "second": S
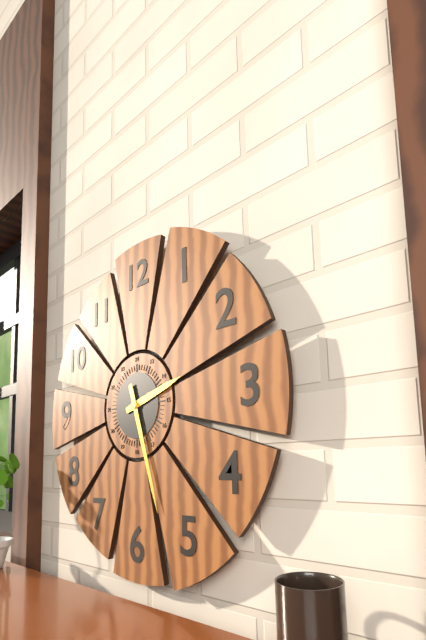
{"hour": 2, "minute": 27}
